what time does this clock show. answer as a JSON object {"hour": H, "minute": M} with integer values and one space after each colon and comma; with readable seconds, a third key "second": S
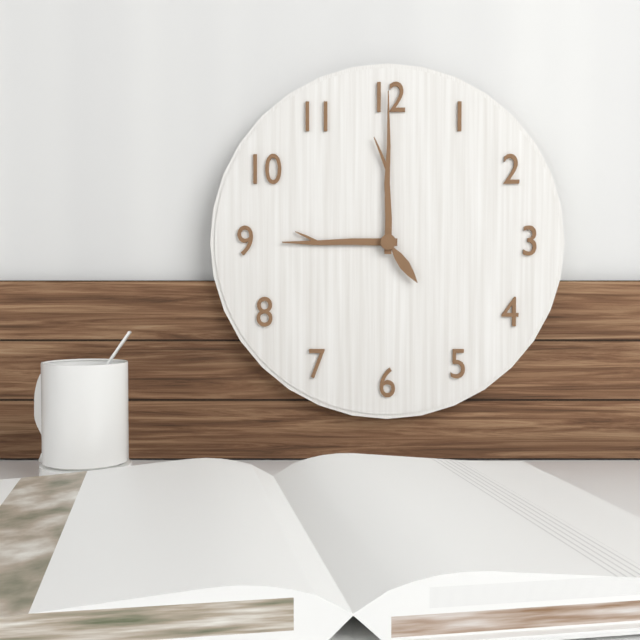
{"hour": 9, "minute": 0, "second": 24}
